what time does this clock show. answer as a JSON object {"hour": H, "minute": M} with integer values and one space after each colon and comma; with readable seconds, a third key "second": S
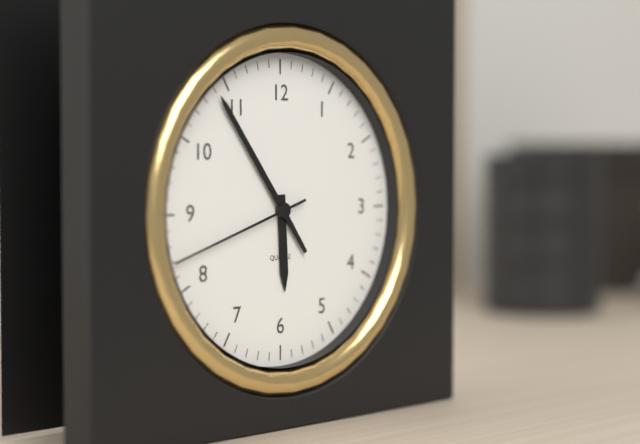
{"hour": 5, "minute": 54, "second": 42}
